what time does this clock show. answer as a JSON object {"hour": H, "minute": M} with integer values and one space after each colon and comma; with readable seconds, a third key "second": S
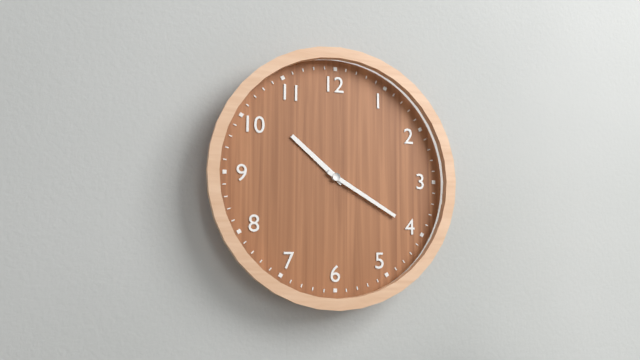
{"hour": 10, "minute": 20}
